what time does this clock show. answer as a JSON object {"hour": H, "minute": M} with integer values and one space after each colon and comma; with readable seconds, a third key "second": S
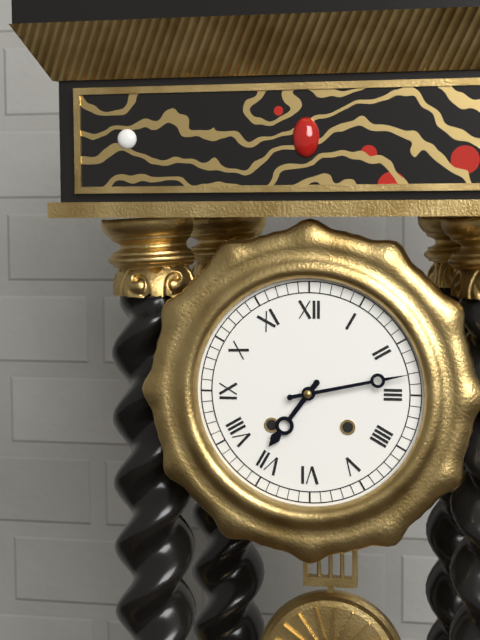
{"hour": 7, "minute": 13}
